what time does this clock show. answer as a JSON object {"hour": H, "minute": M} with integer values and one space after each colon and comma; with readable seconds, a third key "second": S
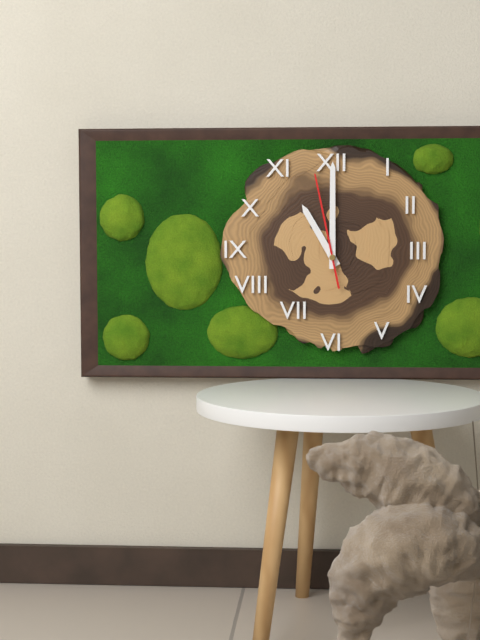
{"hour": 11, "minute": 0, "second": 58}
